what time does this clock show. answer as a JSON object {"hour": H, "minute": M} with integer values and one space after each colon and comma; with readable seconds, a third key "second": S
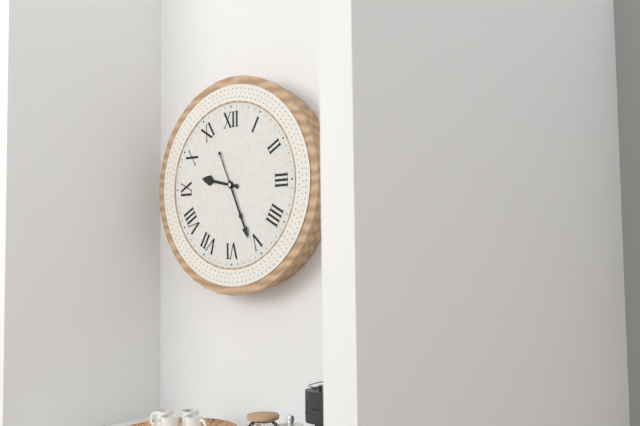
{"hour": 9, "minute": 26}
